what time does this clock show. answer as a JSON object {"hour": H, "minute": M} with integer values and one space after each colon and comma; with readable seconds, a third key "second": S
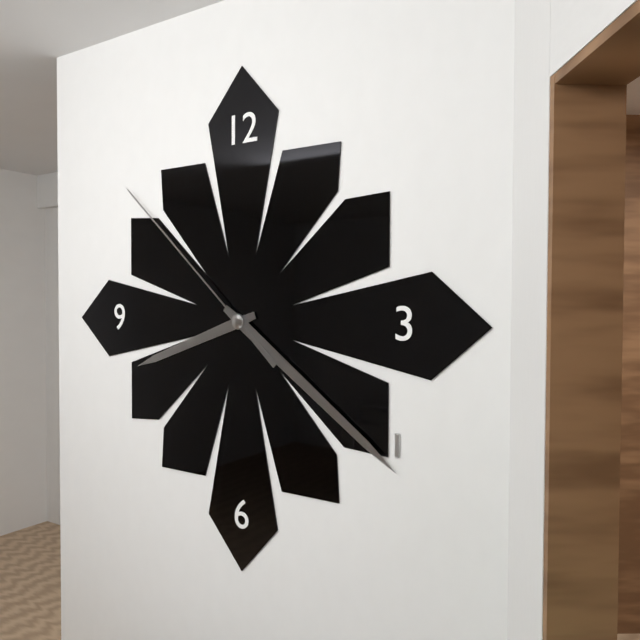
{"hour": 8, "minute": 21, "second": 52}
